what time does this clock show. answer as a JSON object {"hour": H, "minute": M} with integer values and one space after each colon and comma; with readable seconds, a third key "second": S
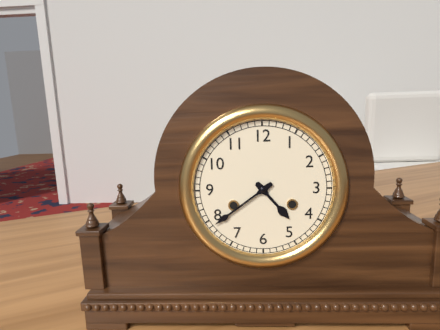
{"hour": 4, "minute": 39}
